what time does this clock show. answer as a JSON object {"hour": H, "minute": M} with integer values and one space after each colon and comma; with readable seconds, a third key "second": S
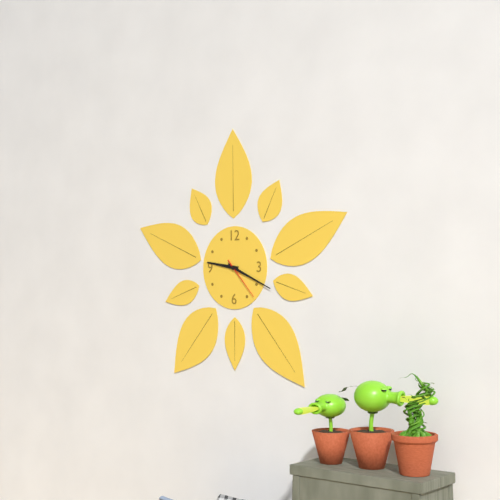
{"hour": 9, "minute": 19}
